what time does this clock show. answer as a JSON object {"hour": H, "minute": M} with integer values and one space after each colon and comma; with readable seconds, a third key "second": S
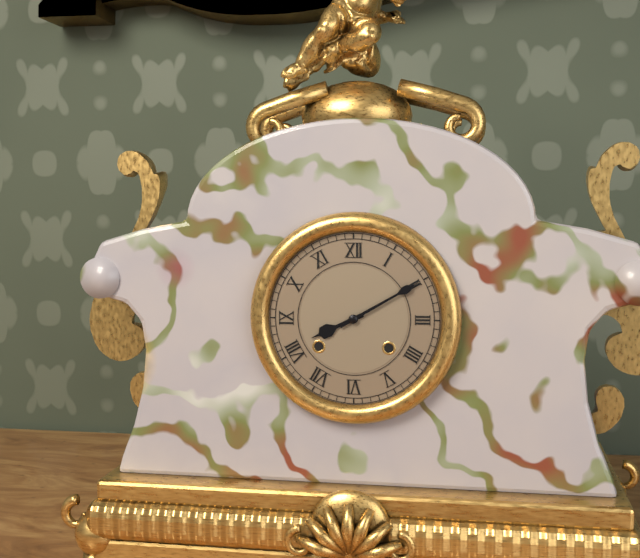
{"hour": 8, "minute": 10}
